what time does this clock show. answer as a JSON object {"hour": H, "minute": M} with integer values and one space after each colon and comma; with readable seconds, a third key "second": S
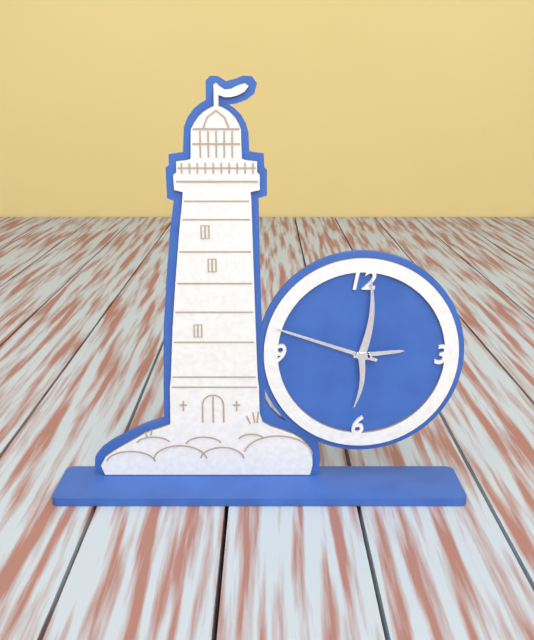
{"hour": 2, "minute": 48, "second": 1}
